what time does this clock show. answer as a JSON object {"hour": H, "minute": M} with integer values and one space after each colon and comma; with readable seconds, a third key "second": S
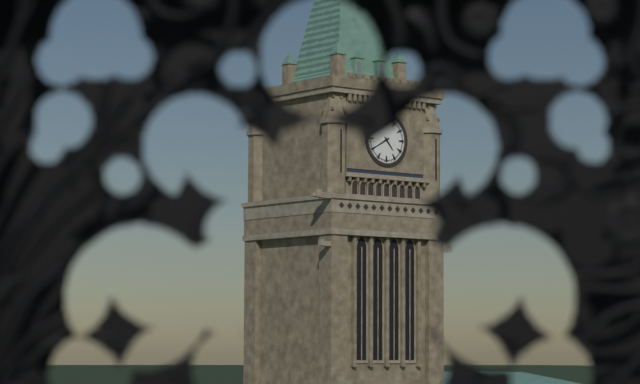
{"hour": 4, "minute": 40}
